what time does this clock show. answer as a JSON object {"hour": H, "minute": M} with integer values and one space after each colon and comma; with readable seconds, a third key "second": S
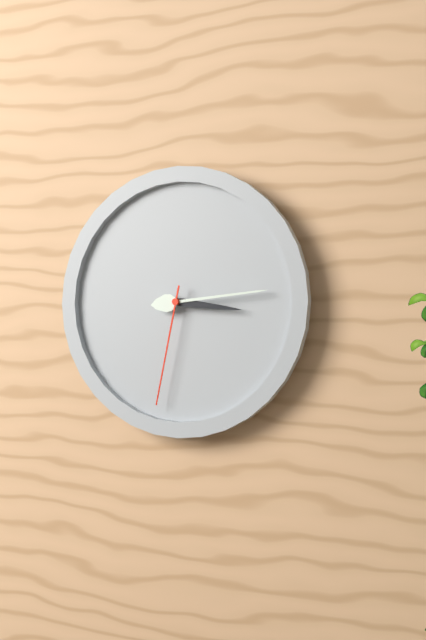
{"hour": 3, "minute": 14, "second": 32}
